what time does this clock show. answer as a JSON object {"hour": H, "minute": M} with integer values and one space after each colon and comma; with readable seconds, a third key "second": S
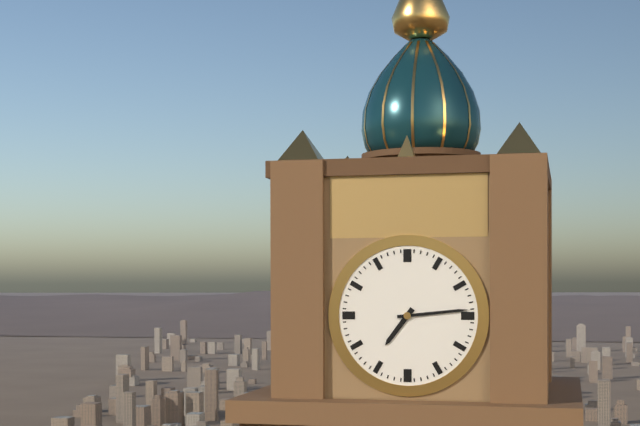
{"hour": 7, "minute": 14}
